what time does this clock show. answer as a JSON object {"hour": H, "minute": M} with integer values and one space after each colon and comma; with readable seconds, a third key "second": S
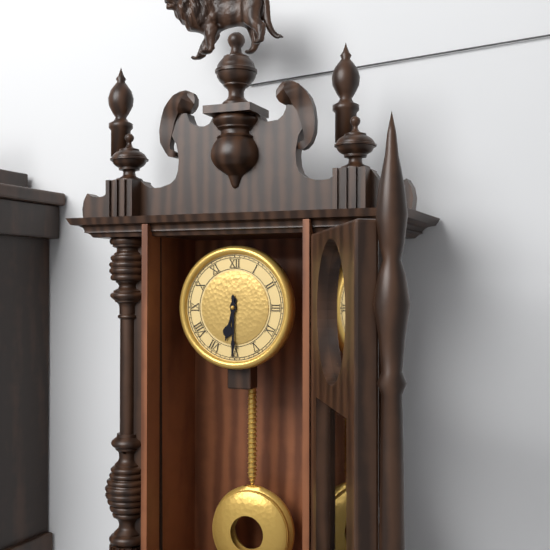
{"hour": 6, "minute": 30}
